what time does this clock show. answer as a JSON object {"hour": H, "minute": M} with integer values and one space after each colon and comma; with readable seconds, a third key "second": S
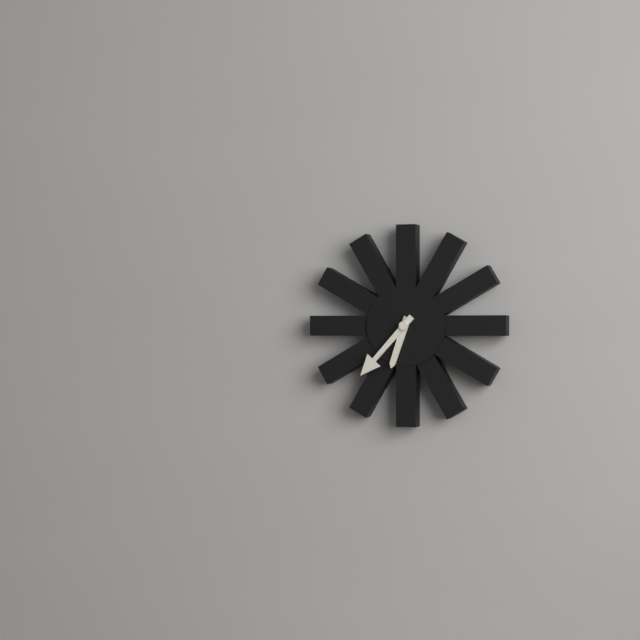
{"hour": 6, "minute": 37}
